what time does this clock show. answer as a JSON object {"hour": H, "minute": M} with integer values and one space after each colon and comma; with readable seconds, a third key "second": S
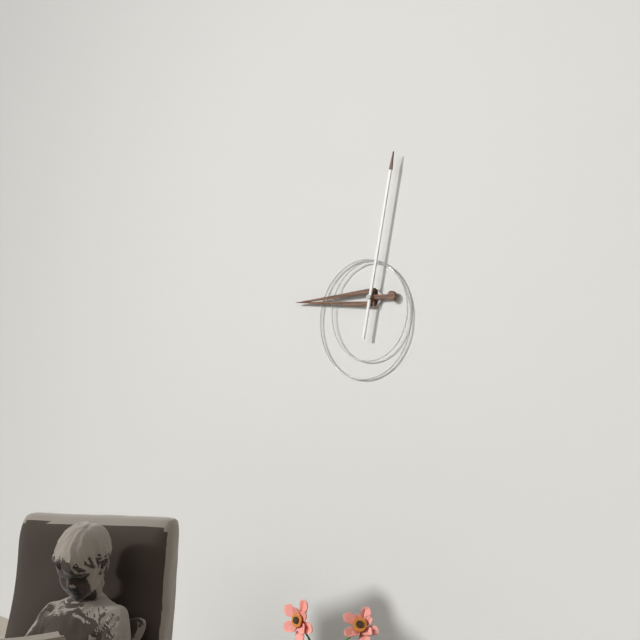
{"hour": 9, "minute": 2}
